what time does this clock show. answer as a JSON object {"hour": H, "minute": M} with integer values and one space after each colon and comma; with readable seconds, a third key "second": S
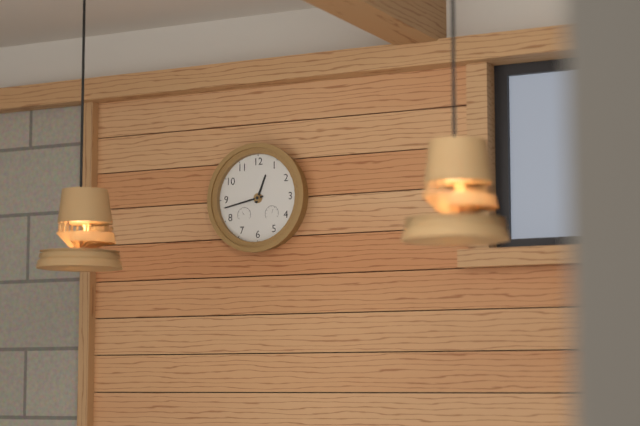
{"hour": 12, "minute": 43}
